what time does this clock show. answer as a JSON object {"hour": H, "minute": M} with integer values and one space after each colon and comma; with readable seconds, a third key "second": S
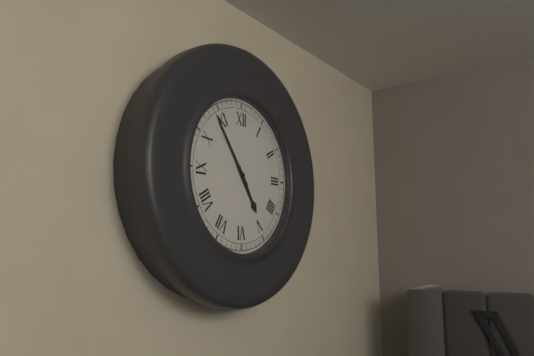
{"hour": 4, "minute": 54}
